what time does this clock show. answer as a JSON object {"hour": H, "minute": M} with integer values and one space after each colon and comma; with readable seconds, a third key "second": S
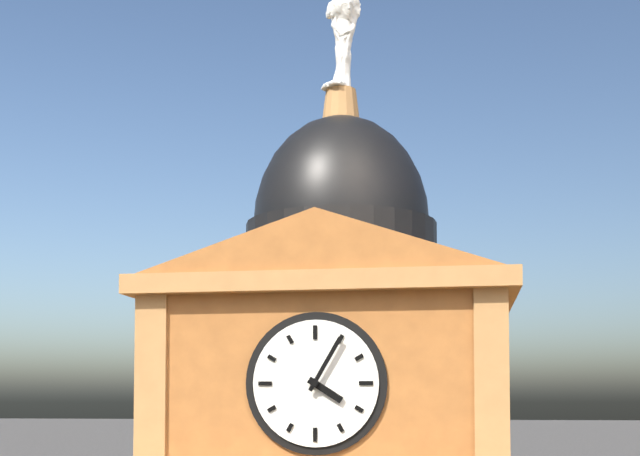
{"hour": 4, "minute": 5}
